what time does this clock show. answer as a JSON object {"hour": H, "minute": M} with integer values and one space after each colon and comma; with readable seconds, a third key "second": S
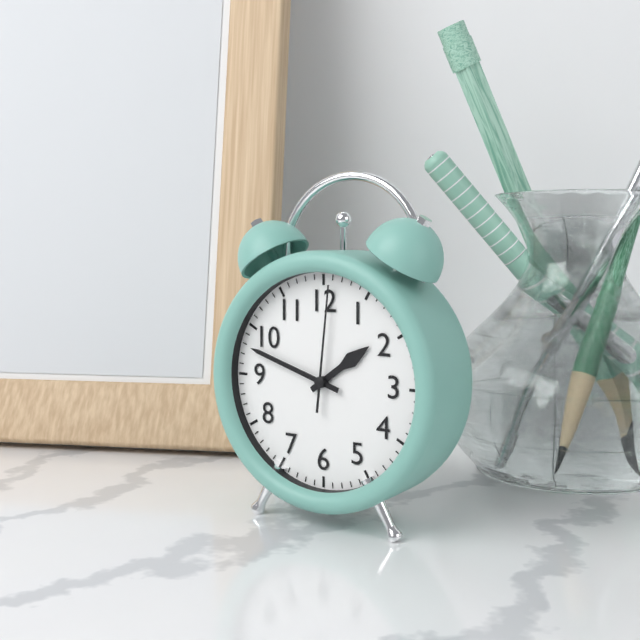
{"hour": 1, "minute": 48, "second": 1}
